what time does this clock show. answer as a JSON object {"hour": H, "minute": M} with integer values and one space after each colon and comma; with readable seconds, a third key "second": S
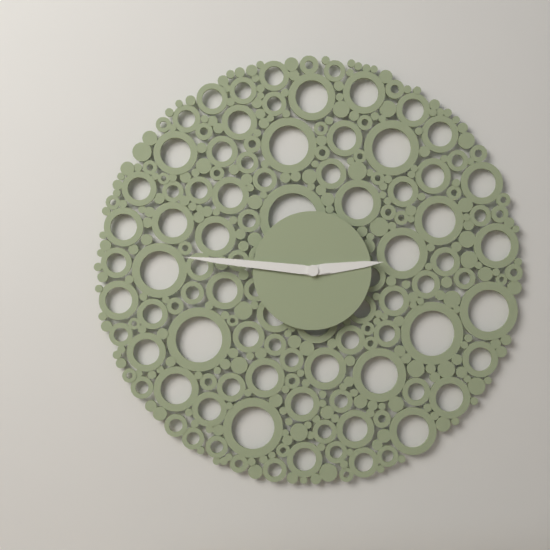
{"hour": 2, "minute": 46}
